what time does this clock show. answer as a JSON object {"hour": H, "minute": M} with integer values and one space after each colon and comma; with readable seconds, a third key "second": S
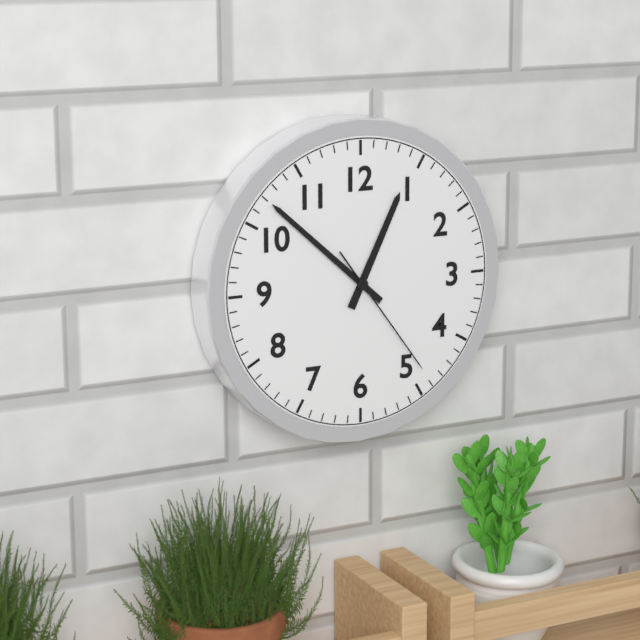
{"hour": 12, "minute": 52, "second": 24}
